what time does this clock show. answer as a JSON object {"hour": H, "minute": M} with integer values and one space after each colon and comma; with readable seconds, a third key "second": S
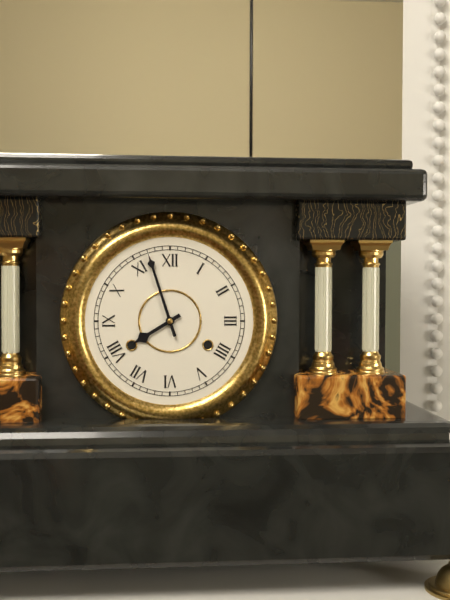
{"hour": 7, "minute": 57}
